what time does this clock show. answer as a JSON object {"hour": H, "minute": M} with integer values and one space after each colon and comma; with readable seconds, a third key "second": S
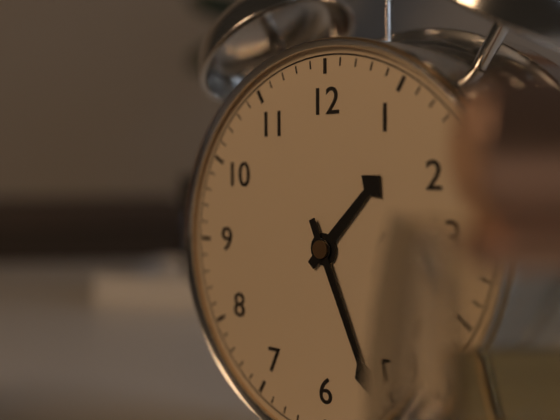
{"hour": 1, "minute": 26}
